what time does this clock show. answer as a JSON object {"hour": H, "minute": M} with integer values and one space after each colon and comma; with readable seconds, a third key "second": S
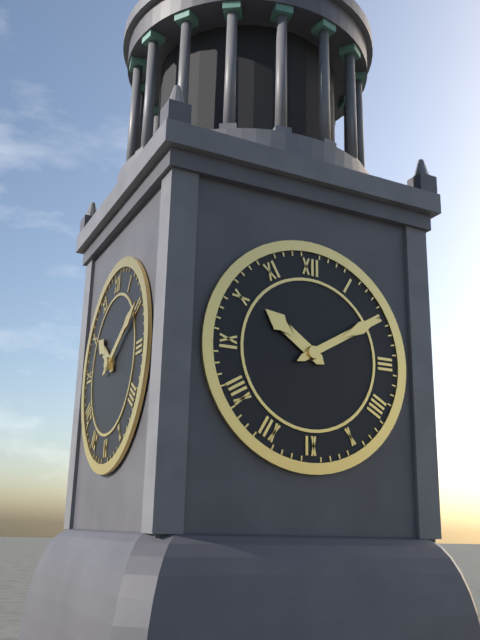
{"hour": 10, "minute": 10}
